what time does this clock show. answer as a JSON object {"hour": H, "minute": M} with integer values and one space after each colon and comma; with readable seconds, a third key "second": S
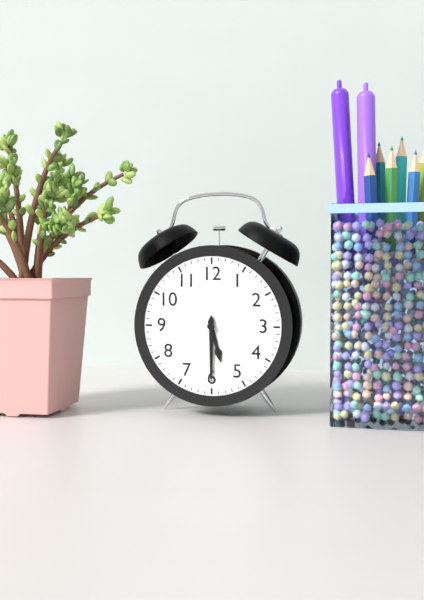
{"hour": 5, "minute": 30}
